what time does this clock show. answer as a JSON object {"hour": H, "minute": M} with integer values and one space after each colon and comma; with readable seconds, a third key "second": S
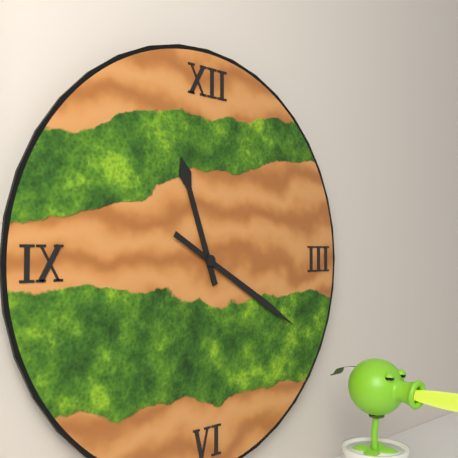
{"hour": 11, "minute": 20}
